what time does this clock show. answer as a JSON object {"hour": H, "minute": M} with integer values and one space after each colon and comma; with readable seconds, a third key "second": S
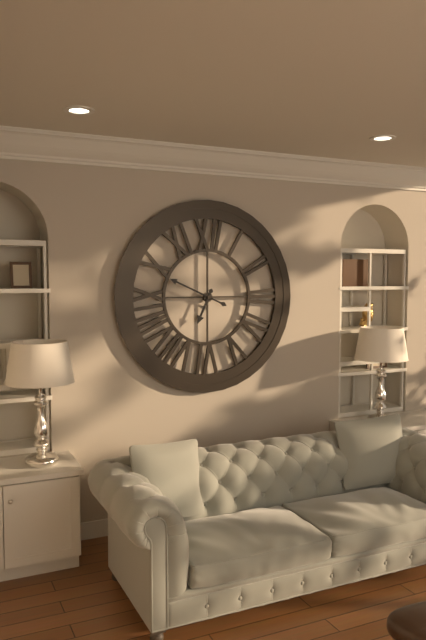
{"hour": 6, "minute": 49}
